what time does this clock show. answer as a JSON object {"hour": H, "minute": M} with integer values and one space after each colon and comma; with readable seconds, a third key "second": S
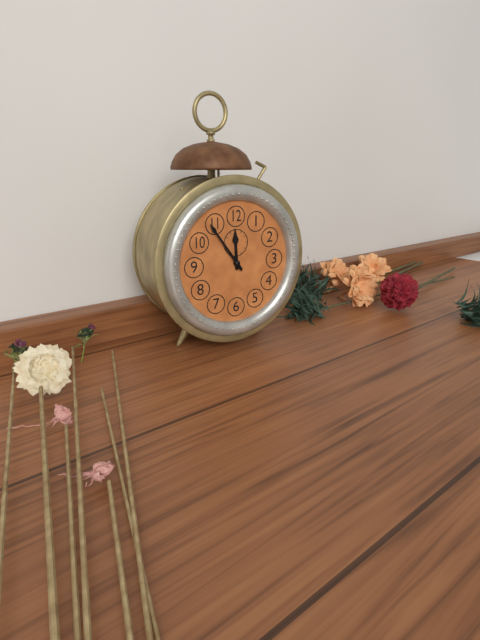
{"hour": 11, "minute": 54}
